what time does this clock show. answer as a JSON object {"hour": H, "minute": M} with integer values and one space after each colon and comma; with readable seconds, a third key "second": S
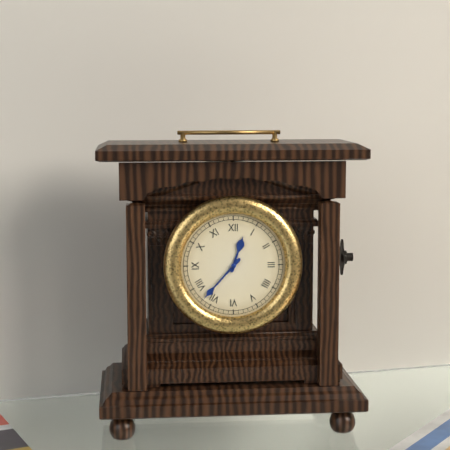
{"hour": 12, "minute": 37}
